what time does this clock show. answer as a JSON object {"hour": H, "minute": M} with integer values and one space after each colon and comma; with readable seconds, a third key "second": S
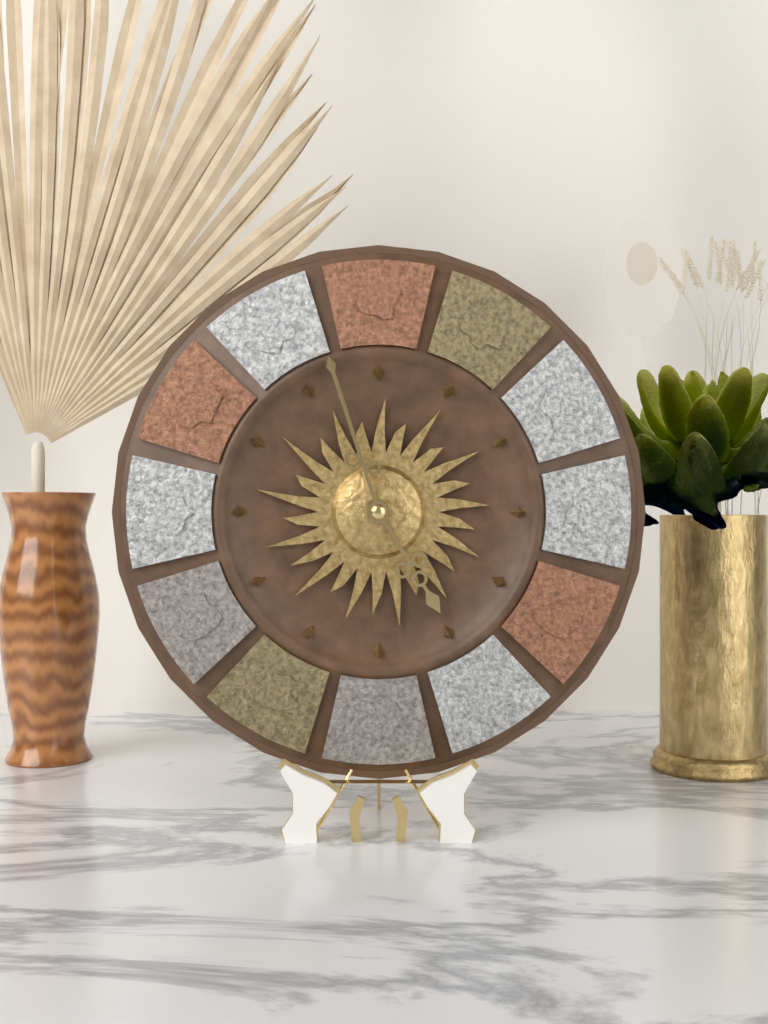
{"hour": 4, "minute": 57}
